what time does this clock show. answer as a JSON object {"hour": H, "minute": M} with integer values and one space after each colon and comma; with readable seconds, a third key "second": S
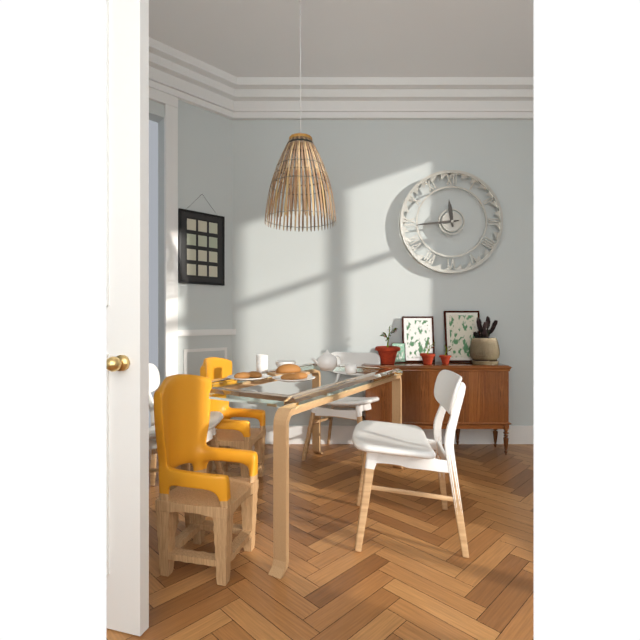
{"hour": 11, "minute": 44}
